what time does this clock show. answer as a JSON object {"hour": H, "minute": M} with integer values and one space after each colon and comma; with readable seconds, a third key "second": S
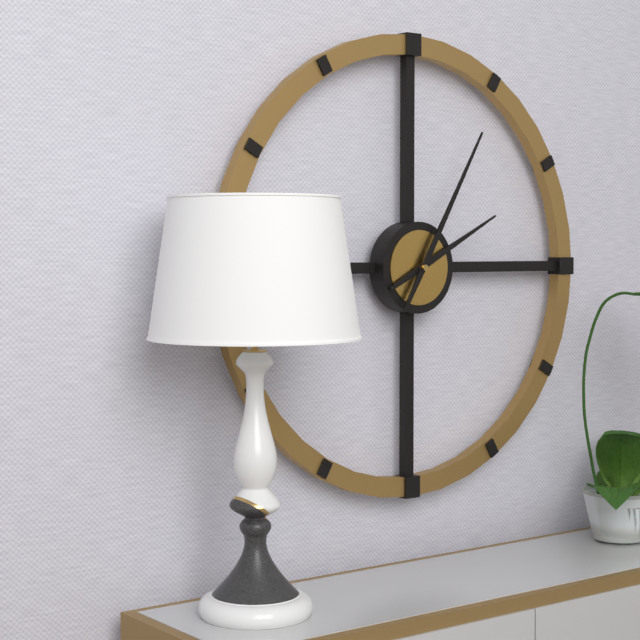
{"hour": 2, "minute": 5}
